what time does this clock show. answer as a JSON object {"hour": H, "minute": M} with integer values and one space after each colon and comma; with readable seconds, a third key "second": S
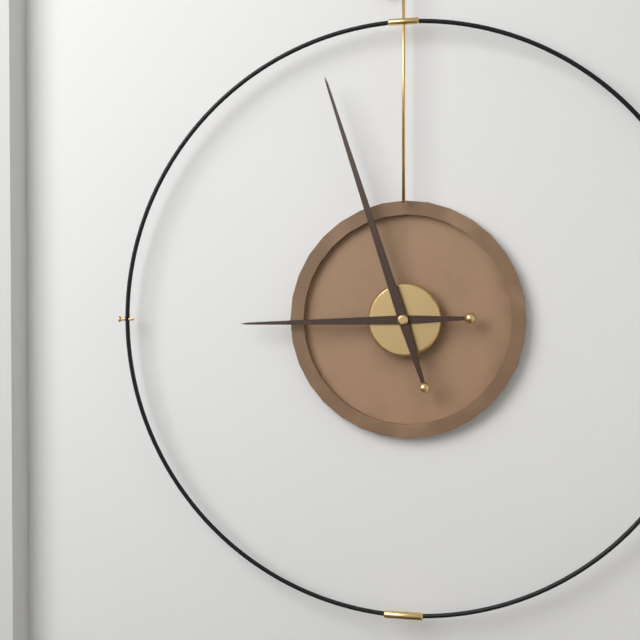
{"hour": 8, "minute": 57}
